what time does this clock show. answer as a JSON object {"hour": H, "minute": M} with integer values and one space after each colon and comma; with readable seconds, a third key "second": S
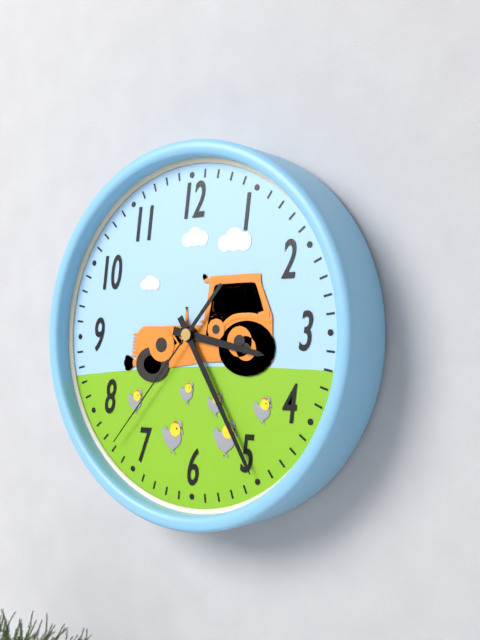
{"hour": 3, "minute": 25, "second": 37}
